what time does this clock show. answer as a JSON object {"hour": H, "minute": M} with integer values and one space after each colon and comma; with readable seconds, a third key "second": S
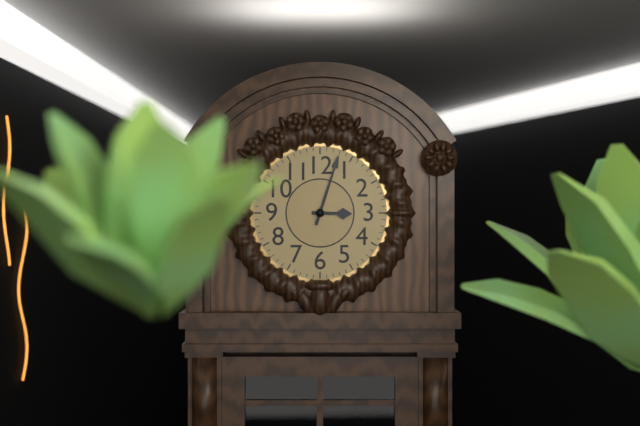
{"hour": 3, "minute": 3}
